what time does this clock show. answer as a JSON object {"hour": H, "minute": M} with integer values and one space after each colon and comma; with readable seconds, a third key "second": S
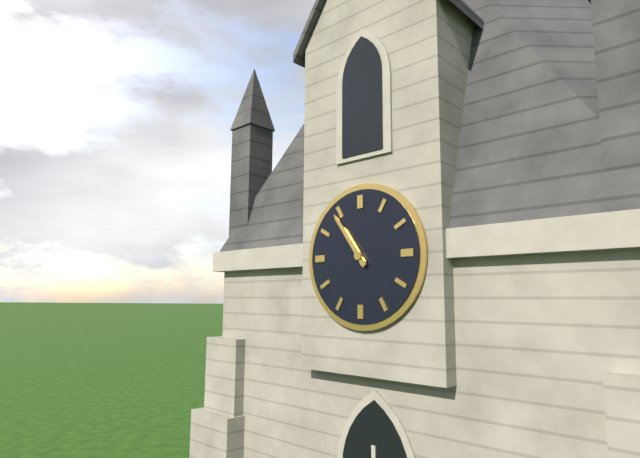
{"hour": 10, "minute": 54}
